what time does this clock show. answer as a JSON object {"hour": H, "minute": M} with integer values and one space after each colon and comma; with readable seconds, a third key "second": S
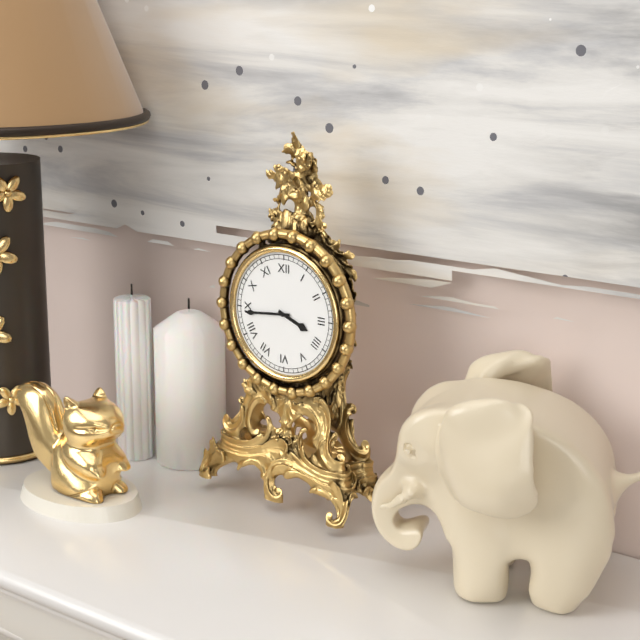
{"hour": 3, "minute": 44}
